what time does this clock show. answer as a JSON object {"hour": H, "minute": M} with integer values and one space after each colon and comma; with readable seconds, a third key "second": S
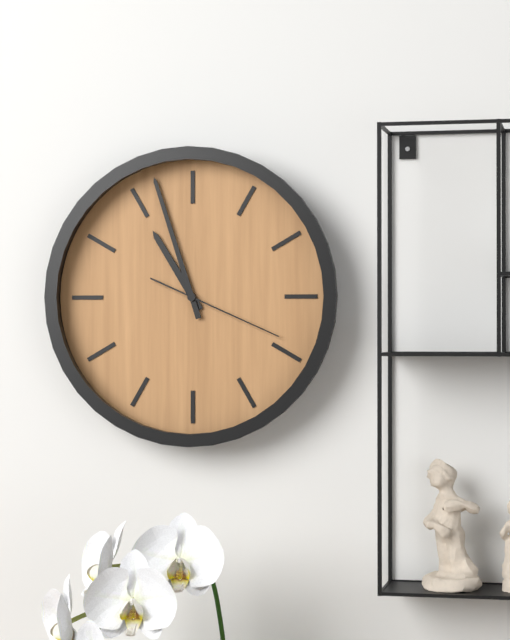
{"hour": 10, "minute": 57, "second": 19}
